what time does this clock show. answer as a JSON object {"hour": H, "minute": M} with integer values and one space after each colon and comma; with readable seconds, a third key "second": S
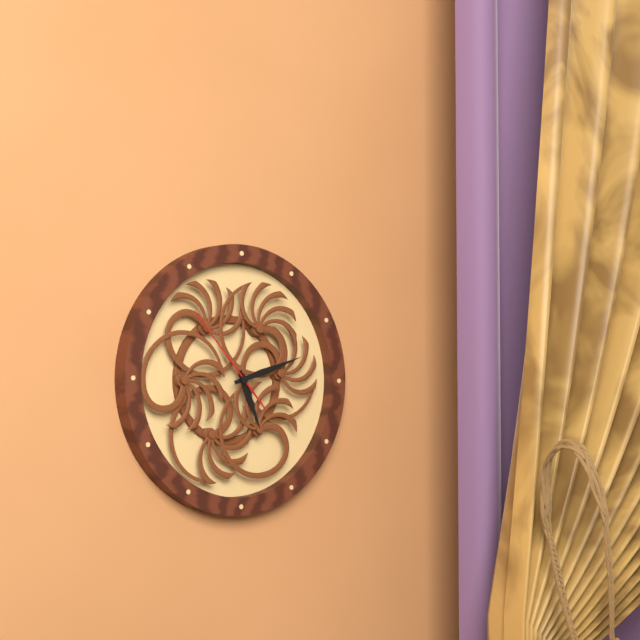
{"hour": 5, "minute": 12, "second": 53}
